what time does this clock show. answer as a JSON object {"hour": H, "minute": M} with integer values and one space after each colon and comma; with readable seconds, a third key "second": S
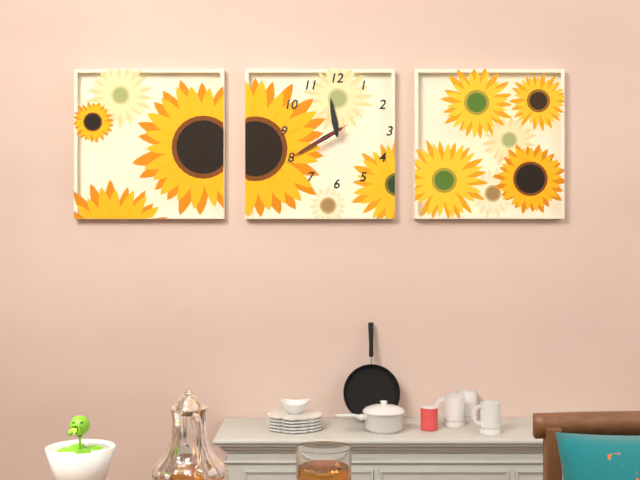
{"hour": 11, "minute": 40, "second": 40}
